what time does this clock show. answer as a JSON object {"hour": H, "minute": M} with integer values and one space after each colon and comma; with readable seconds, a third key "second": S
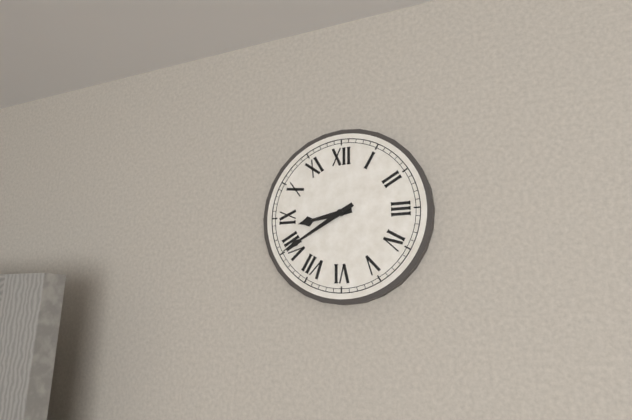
{"hour": 8, "minute": 40}
